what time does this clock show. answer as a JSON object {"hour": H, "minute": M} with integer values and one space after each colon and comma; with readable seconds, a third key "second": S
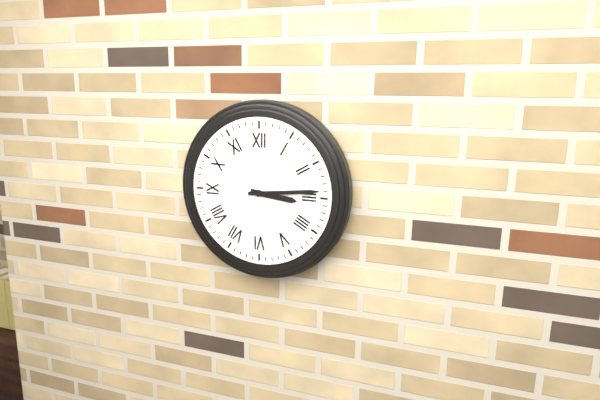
{"hour": 3, "minute": 14}
